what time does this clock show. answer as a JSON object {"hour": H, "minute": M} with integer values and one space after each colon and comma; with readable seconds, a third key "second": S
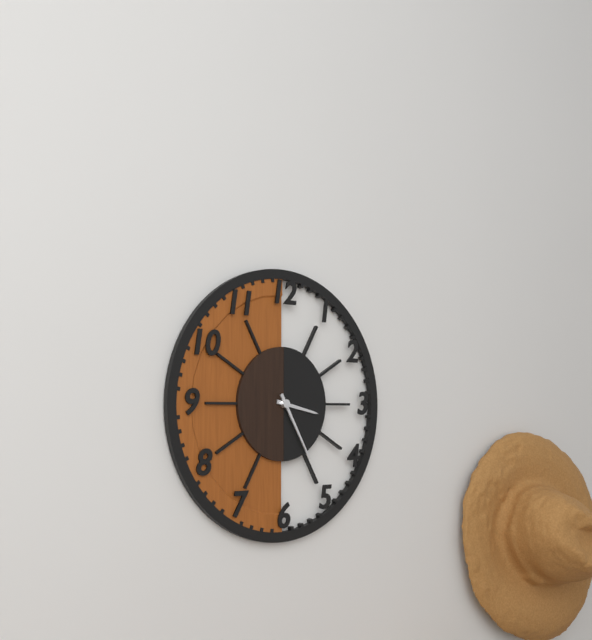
{"hour": 3, "minute": 25}
